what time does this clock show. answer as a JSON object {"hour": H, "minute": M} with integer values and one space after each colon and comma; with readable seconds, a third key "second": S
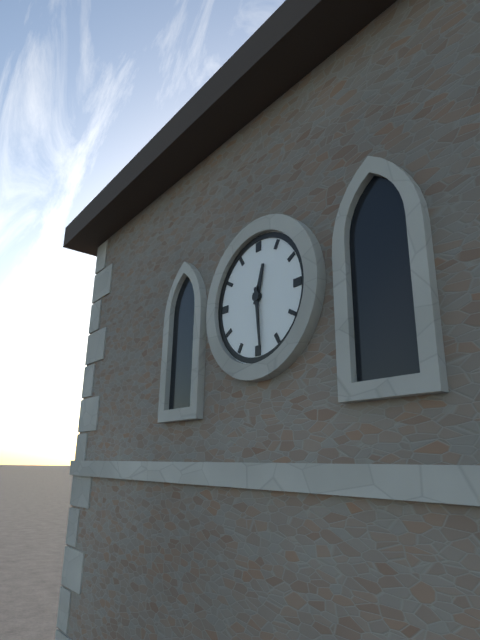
{"hour": 12, "minute": 29}
